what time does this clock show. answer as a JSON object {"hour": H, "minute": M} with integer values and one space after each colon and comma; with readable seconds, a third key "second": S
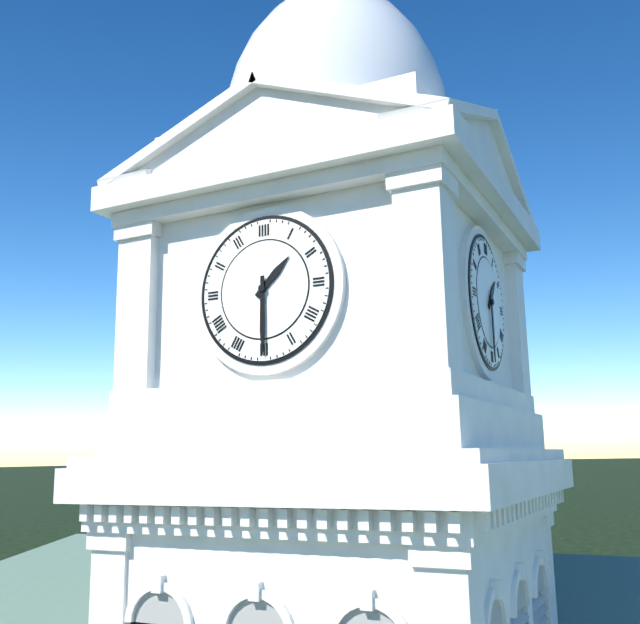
{"hour": 1, "minute": 30}
